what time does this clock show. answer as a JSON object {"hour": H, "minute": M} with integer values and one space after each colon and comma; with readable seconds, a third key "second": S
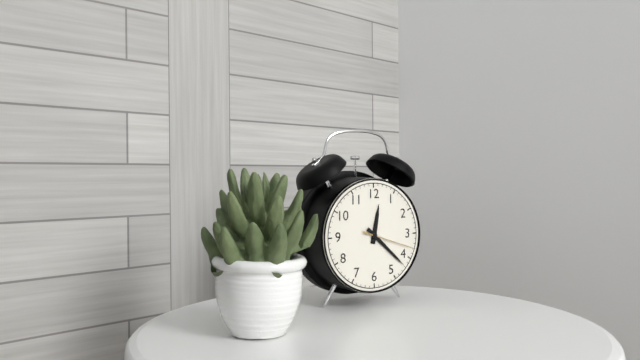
{"hour": 12, "minute": 22, "second": 18}
